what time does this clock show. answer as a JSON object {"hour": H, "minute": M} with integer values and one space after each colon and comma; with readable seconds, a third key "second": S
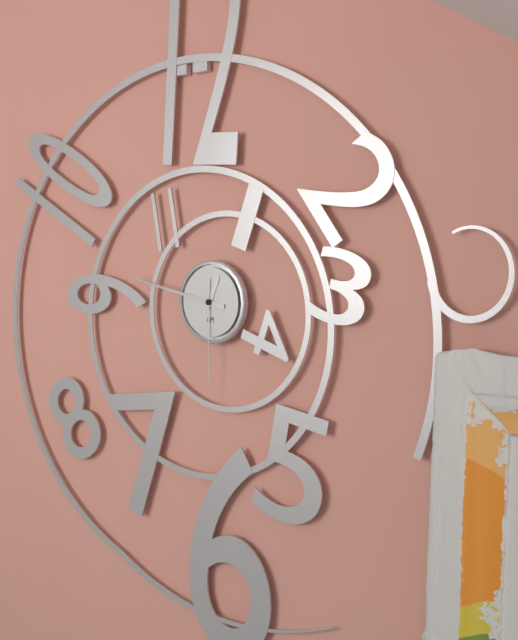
{"hour": 12, "minute": 47, "second": 30}
